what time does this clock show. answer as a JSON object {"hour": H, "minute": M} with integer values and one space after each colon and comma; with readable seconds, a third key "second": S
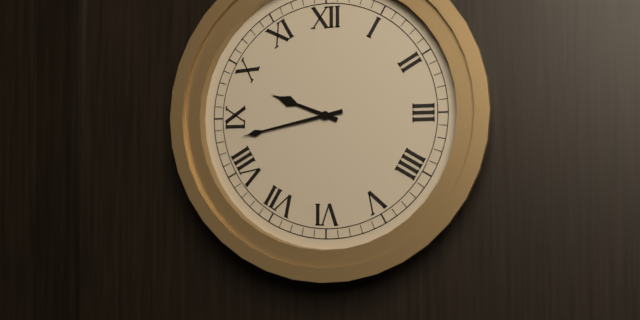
{"hour": 9, "minute": 43}
